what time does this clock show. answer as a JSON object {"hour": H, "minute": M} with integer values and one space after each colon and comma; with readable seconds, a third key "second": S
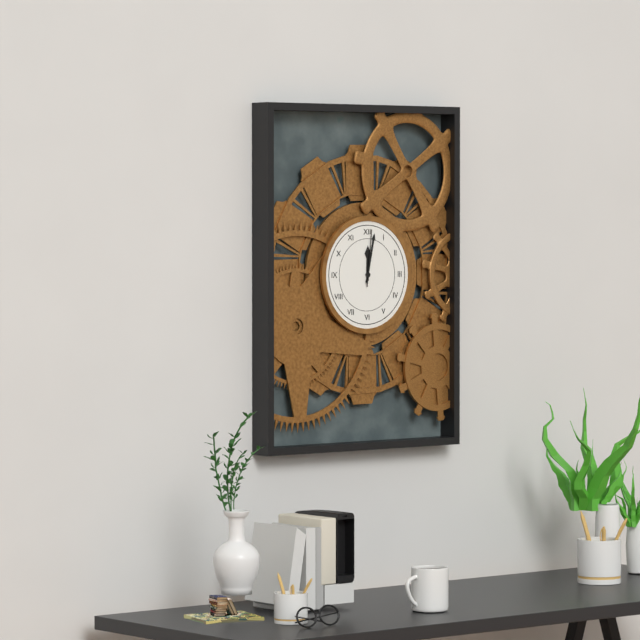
{"hour": 12, "minute": 2, "second": 1}
